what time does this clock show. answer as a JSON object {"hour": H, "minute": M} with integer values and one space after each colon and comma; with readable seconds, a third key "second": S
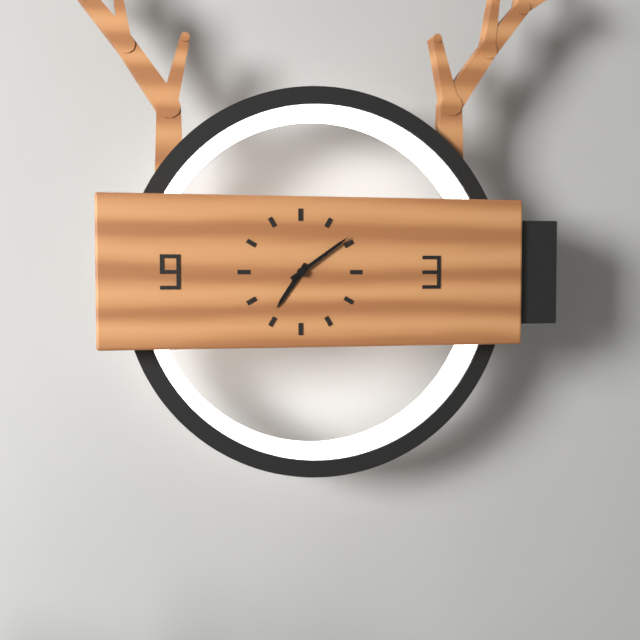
{"hour": 7, "minute": 9}
